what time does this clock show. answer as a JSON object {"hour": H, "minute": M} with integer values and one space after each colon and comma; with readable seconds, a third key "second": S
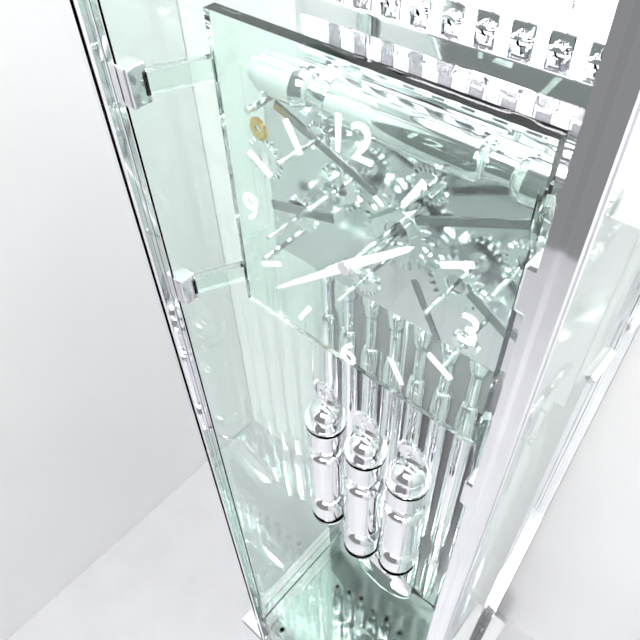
{"hour": 1, "minute": 38}
